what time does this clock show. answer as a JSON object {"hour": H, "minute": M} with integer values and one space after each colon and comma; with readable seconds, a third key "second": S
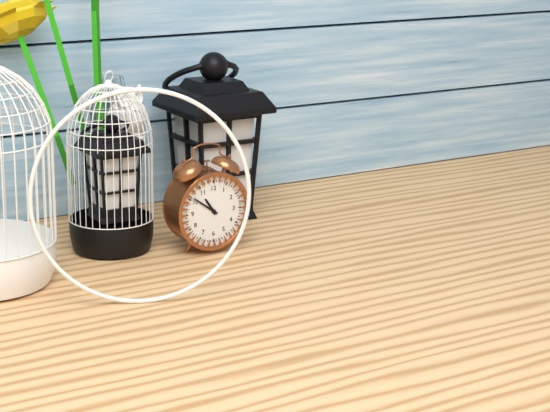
{"hour": 10, "minute": 51}
